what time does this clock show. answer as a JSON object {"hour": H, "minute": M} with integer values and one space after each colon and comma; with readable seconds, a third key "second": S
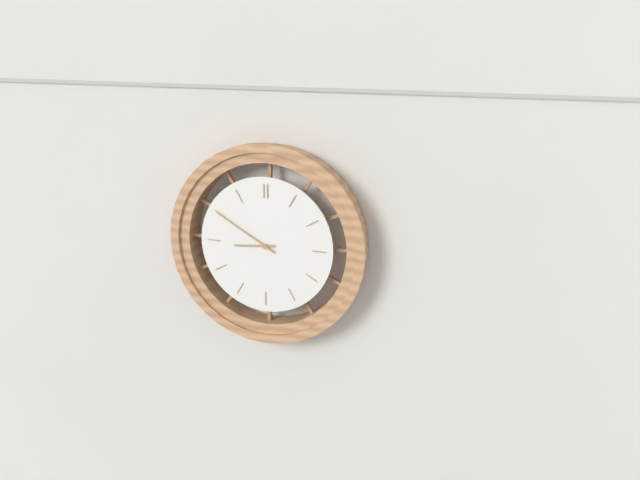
{"hour": 8, "minute": 50}
